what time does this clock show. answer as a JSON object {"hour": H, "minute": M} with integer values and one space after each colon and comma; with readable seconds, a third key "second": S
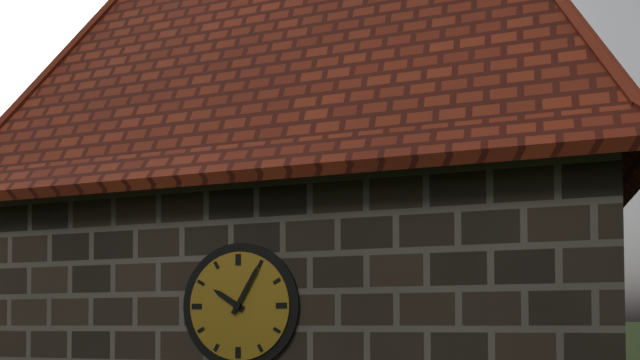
{"hour": 10, "minute": 5}
